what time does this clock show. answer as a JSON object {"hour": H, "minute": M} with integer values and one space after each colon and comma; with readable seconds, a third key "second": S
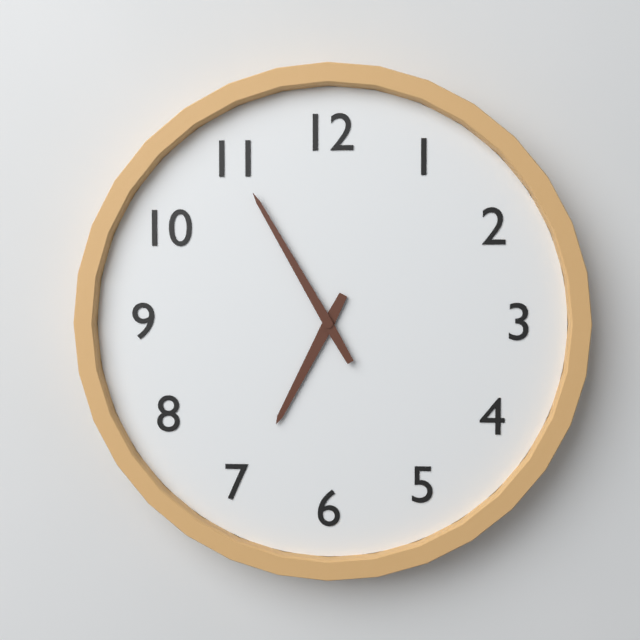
{"hour": 6, "minute": 55}
